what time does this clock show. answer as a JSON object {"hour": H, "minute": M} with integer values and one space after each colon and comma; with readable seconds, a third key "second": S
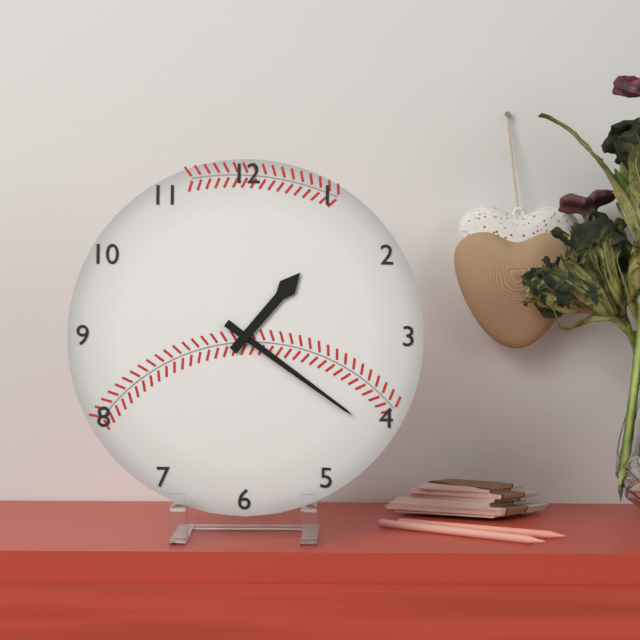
{"hour": 1, "minute": 21}
